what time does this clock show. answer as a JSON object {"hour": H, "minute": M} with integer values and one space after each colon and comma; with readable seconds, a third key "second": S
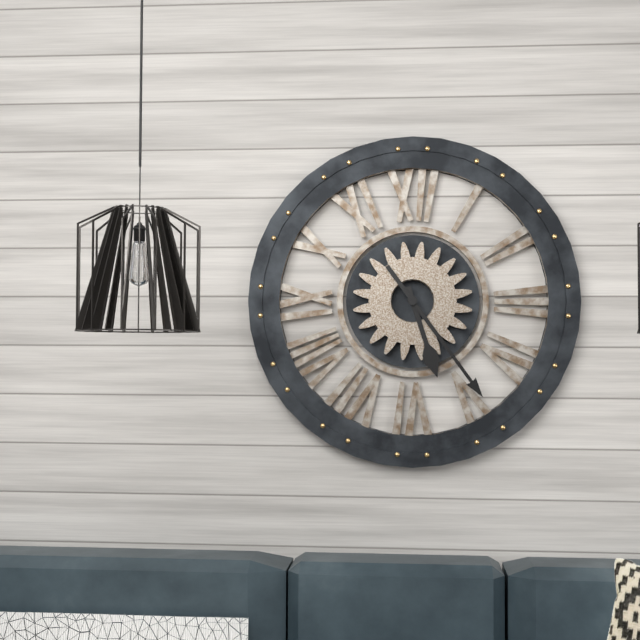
{"hour": 5, "minute": 24}
